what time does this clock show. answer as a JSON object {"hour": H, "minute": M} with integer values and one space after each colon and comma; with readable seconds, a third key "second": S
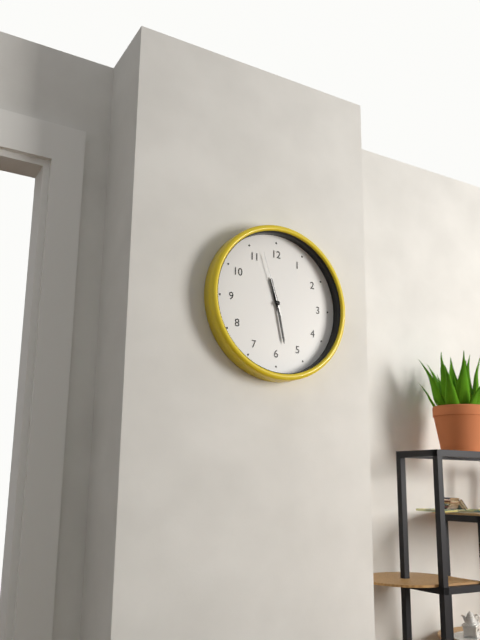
{"hour": 11, "minute": 28, "second": 57}
